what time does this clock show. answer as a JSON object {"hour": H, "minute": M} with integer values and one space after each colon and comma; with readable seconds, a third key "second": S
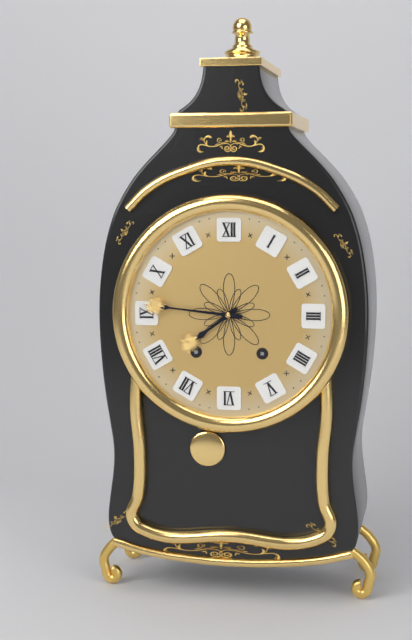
{"hour": 7, "minute": 46}
